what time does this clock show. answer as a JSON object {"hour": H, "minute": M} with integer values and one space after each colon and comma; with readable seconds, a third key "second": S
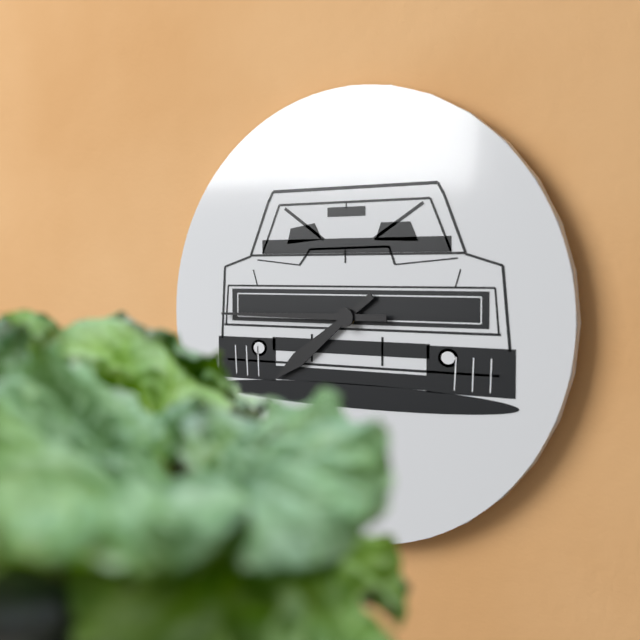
{"hour": 7, "minute": 45}
